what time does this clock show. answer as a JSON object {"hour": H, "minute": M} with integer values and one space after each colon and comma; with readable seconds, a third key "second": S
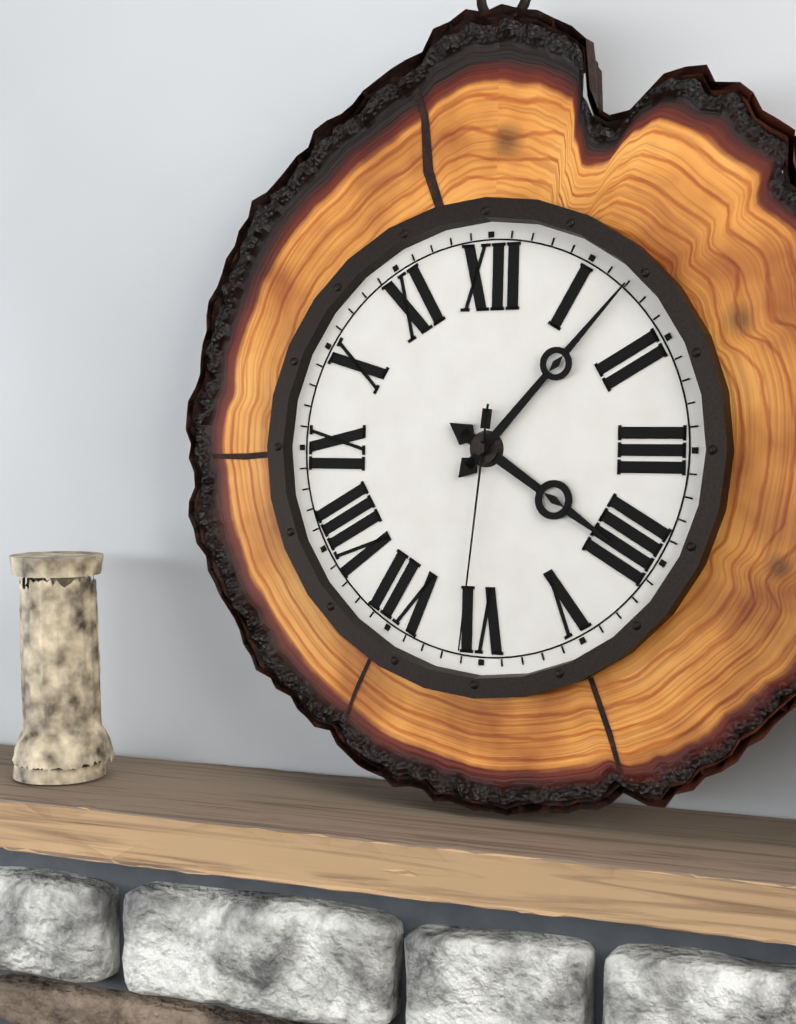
{"hour": 4, "minute": 7, "second": 31}
